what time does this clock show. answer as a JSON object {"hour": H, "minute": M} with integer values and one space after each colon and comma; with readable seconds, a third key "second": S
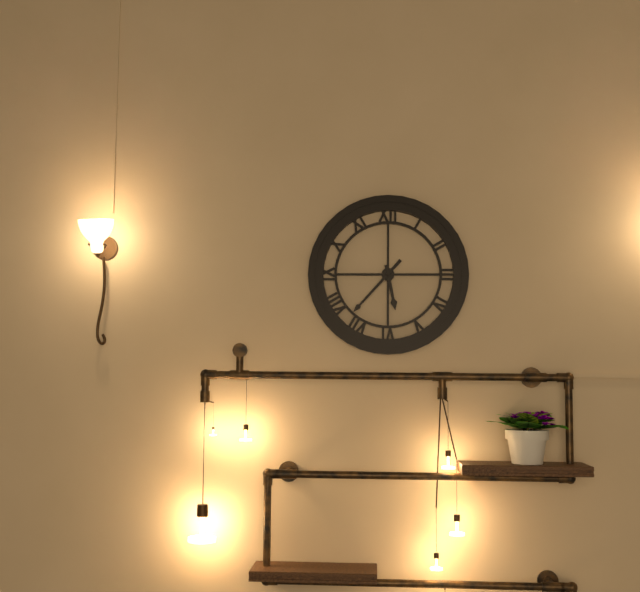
{"hour": 5, "minute": 37}
